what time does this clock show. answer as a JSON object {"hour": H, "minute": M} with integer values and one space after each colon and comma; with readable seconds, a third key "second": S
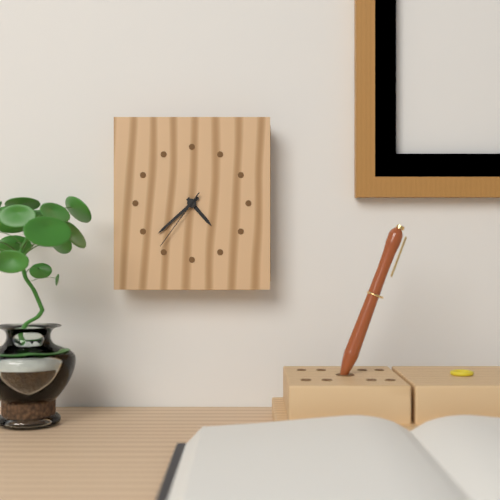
{"hour": 4, "minute": 38, "second": 36}
